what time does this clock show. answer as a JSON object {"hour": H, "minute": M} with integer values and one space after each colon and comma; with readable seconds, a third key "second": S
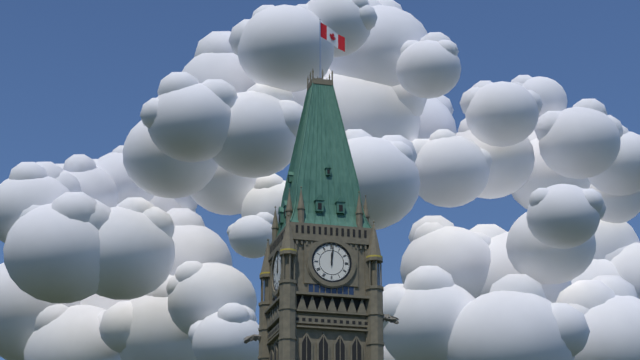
{"hour": 12, "minute": 1}
